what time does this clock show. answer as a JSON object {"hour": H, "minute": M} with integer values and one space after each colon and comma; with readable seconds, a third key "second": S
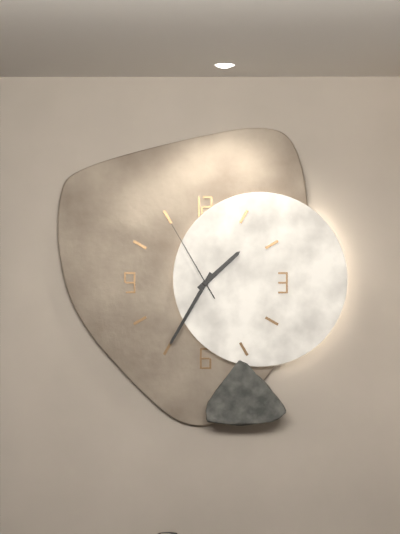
{"hour": 1, "minute": 35, "second": 55}
